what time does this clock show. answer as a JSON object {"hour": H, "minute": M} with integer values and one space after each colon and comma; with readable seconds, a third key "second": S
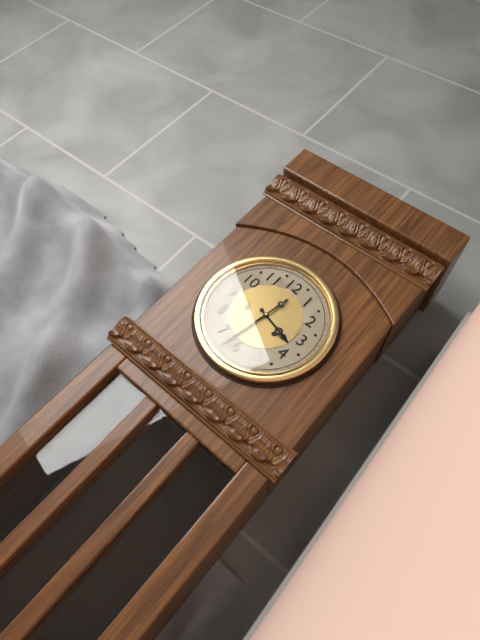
{"hour": 3, "minute": 32}
